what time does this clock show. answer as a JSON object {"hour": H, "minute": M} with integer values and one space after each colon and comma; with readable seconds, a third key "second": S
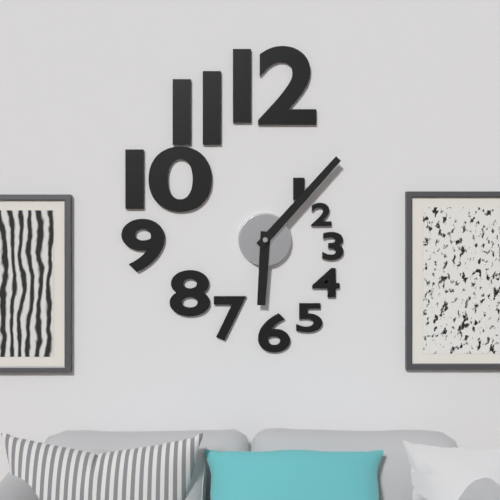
{"hour": 6, "minute": 7}
